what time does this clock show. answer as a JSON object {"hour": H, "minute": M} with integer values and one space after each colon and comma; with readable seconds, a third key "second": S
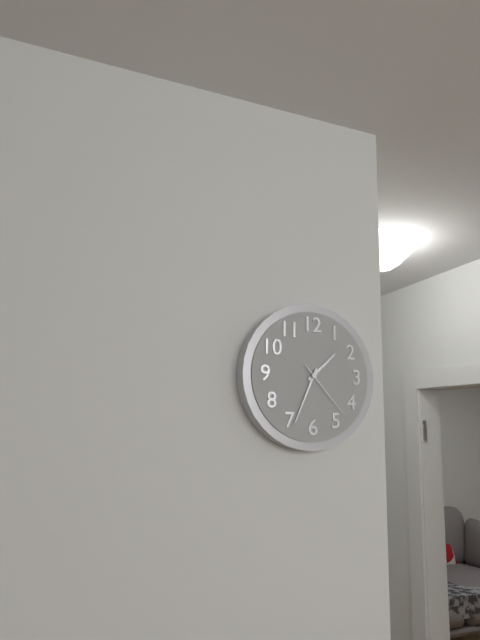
{"hour": 1, "minute": 34, "second": 23}
